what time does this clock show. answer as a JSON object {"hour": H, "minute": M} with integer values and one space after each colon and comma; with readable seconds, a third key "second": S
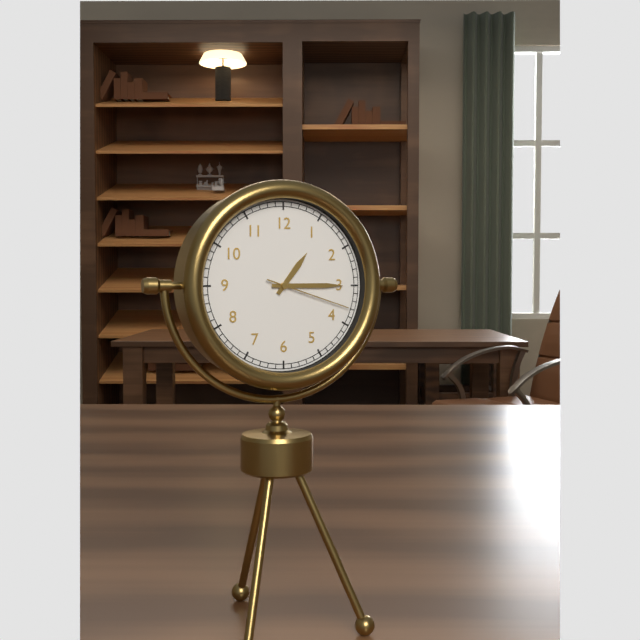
{"hour": 1, "minute": 15, "second": 18}
